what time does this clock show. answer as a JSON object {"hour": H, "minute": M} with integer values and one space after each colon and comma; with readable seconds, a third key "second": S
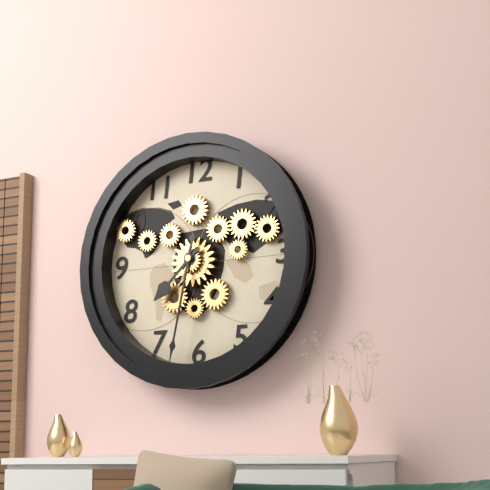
{"hour": 7, "minute": 32}
